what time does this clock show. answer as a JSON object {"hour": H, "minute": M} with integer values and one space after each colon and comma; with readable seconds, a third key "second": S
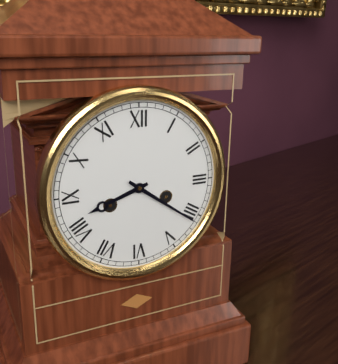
{"hour": 8, "minute": 21}
